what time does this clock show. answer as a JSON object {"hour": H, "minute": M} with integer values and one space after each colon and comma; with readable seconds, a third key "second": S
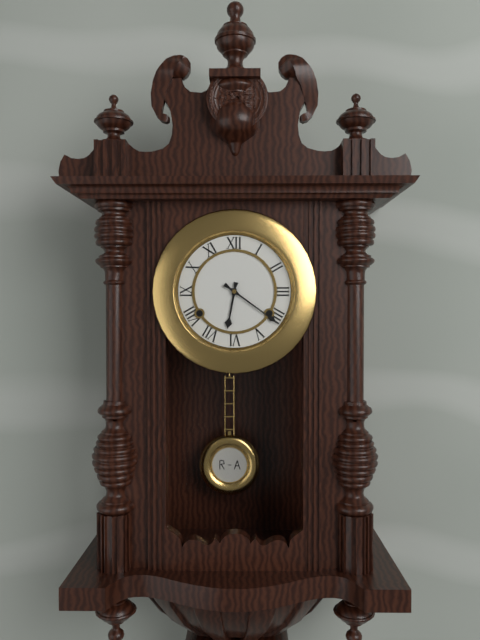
{"hour": 6, "minute": 21}
